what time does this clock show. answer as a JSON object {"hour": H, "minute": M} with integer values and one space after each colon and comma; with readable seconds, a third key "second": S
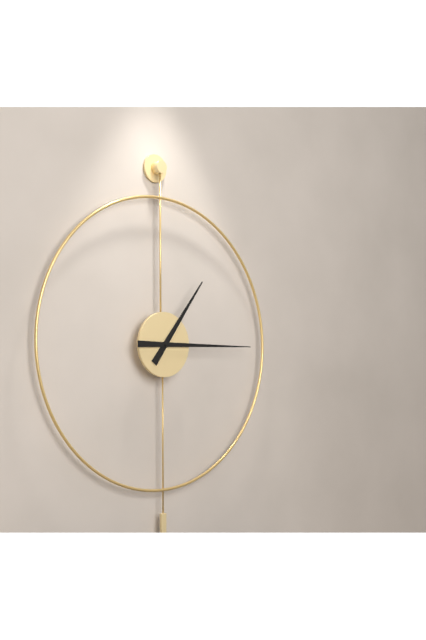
{"hour": 1, "minute": 15}
